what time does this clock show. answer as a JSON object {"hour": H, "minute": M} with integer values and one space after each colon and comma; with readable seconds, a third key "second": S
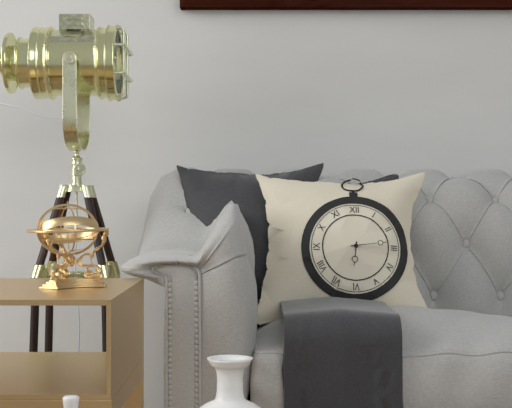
{"hour": 6, "minute": 14}
